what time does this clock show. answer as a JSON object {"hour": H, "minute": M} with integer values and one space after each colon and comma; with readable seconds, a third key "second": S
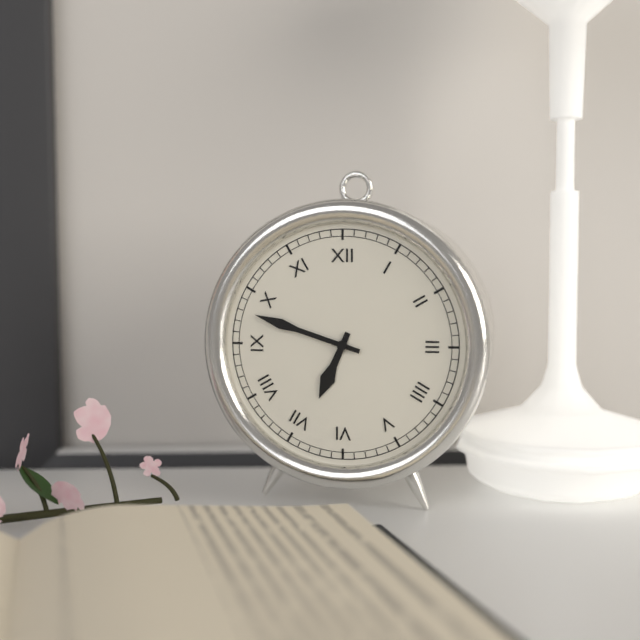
{"hour": 6, "minute": 48}
